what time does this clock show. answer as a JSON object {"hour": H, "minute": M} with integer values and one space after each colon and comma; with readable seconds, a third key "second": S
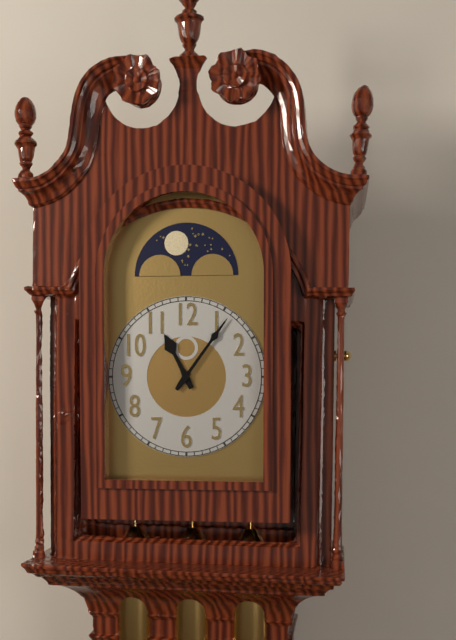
{"hour": 11, "minute": 6}
